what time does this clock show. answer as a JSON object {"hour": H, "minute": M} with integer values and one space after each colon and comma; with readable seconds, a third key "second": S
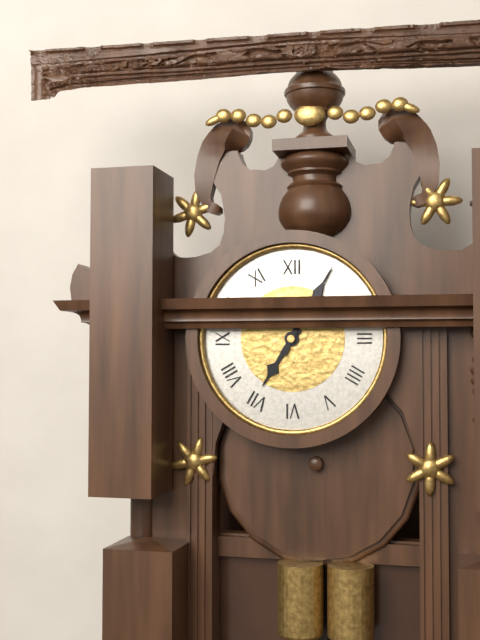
{"hour": 7, "minute": 5}
